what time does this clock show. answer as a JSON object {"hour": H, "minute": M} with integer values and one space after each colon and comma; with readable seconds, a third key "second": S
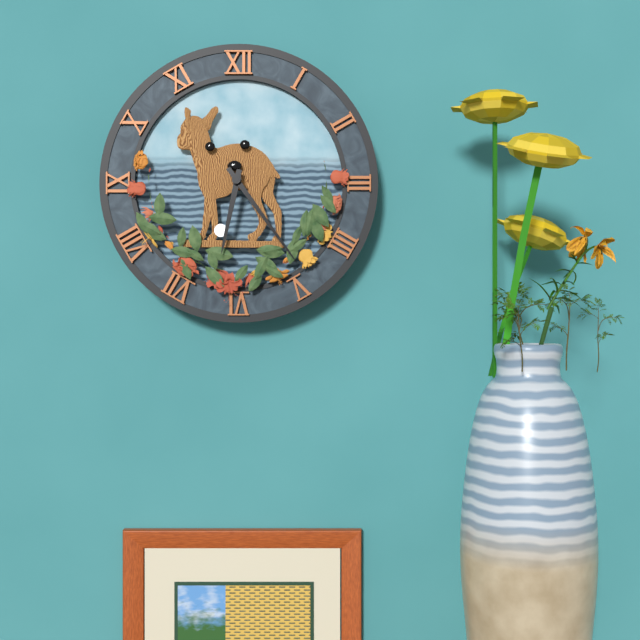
{"hour": 6, "minute": 24}
